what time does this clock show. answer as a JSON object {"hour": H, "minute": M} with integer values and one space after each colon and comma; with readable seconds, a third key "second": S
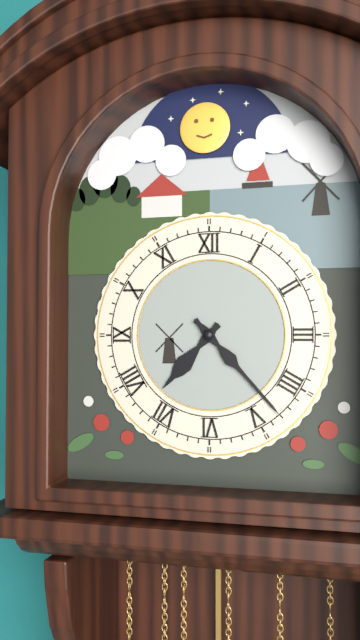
{"hour": 7, "minute": 23}
